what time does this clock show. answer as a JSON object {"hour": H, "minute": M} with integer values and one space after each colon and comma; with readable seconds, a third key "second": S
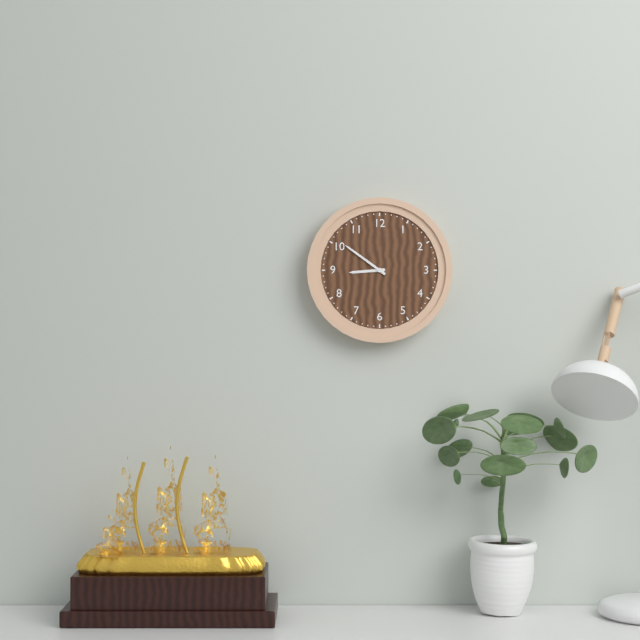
{"hour": 8, "minute": 51}
